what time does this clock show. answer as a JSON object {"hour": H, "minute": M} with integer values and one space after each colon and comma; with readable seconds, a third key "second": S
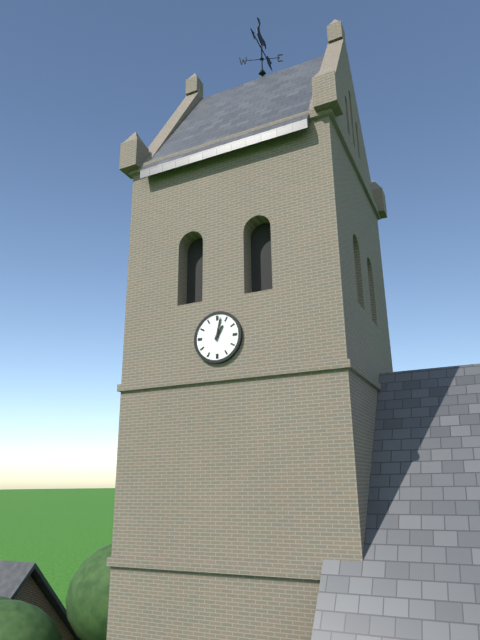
{"hour": 1, "minute": 2}
